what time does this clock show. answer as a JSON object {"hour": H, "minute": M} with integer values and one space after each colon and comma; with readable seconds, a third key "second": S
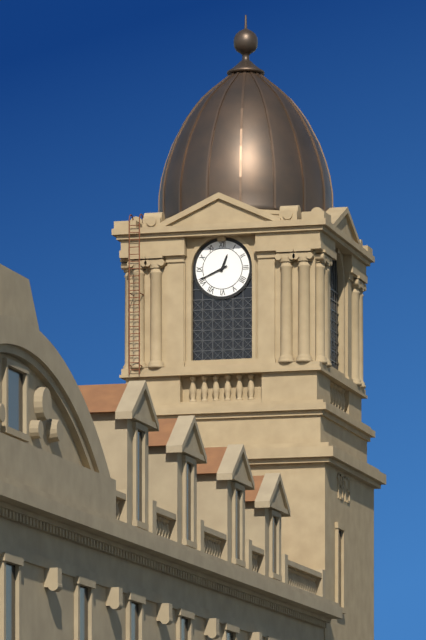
{"hour": 12, "minute": 41}
